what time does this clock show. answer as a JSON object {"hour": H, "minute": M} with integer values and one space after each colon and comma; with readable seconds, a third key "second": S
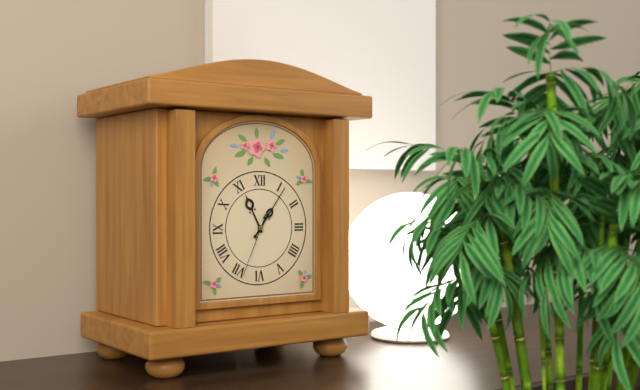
{"hour": 11, "minute": 6, "second": 34}
